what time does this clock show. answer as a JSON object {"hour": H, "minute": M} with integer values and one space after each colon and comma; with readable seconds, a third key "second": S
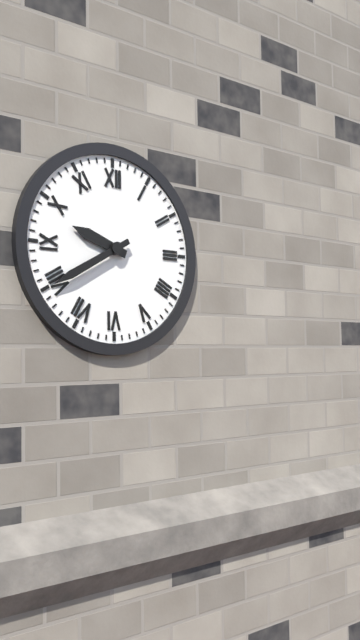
{"hour": 9, "minute": 40}
